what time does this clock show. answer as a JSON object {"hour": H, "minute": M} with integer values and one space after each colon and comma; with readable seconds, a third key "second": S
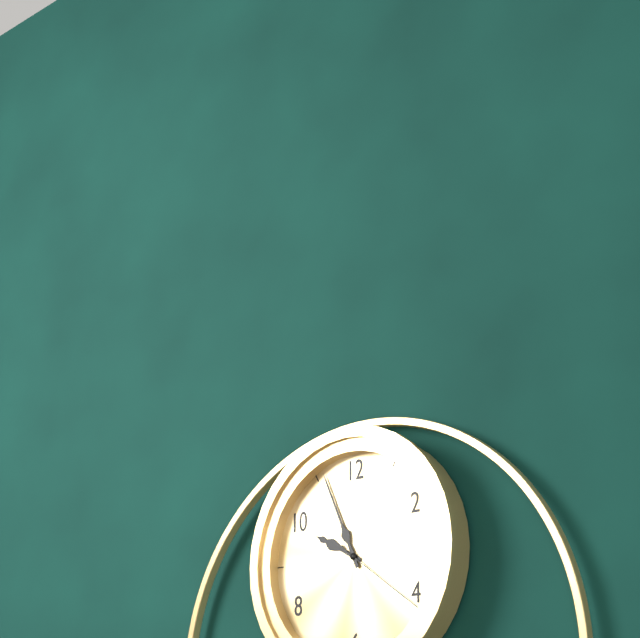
{"hour": 9, "minute": 56, "second": 21}
